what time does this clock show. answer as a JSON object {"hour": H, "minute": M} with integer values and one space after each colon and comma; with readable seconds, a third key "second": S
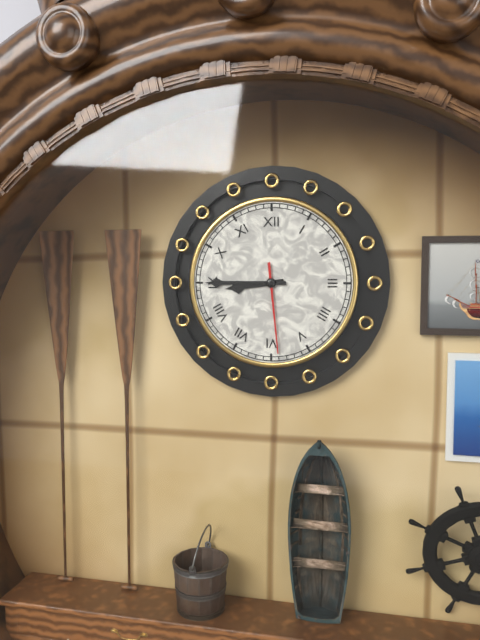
{"hour": 8, "minute": 45, "second": 29}
